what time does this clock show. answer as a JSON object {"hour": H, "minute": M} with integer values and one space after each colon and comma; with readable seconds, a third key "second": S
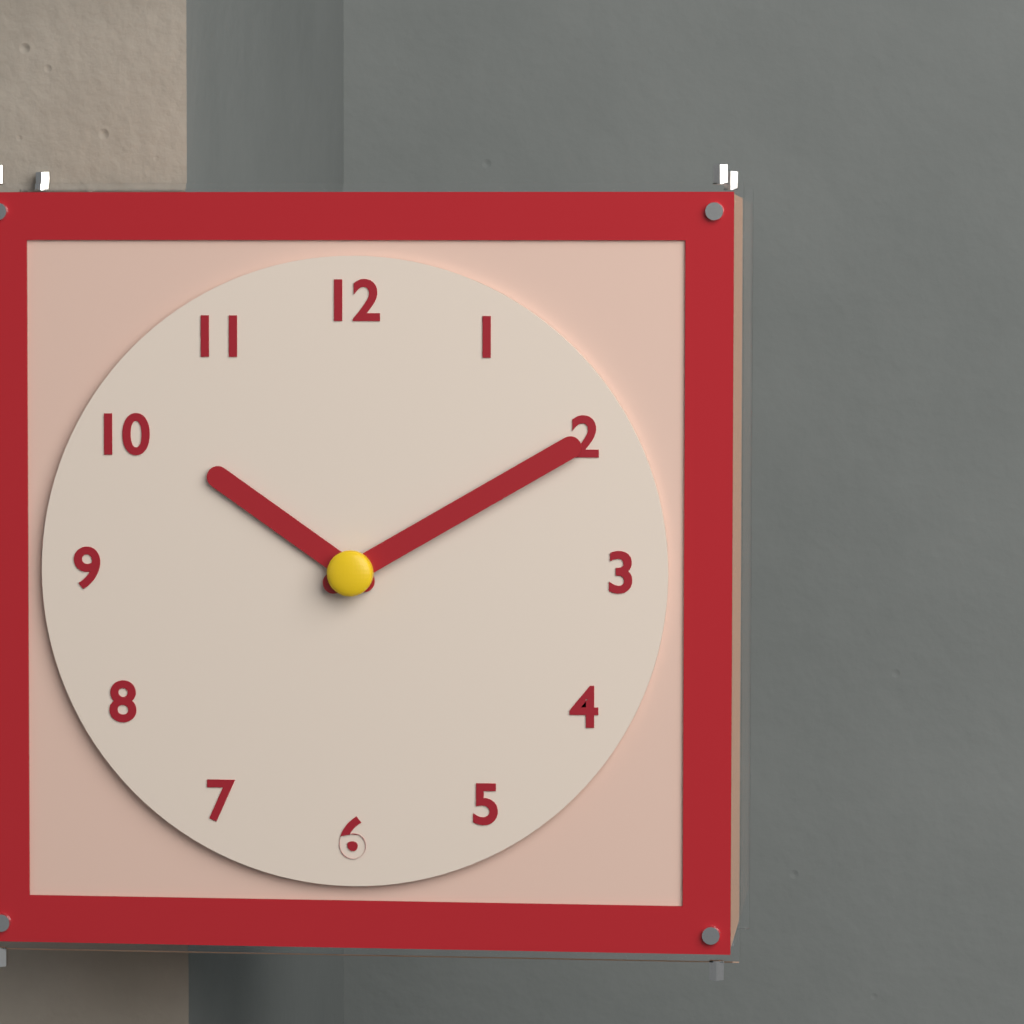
{"hour": 10, "minute": 10}
